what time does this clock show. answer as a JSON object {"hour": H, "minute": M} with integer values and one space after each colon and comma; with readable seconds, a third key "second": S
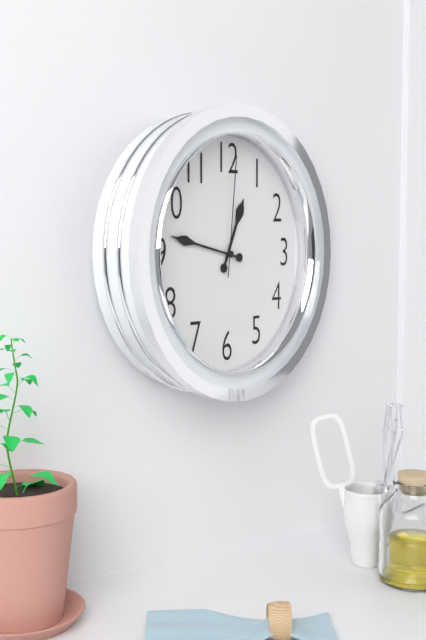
{"hour": 12, "minute": 47, "second": 1}
